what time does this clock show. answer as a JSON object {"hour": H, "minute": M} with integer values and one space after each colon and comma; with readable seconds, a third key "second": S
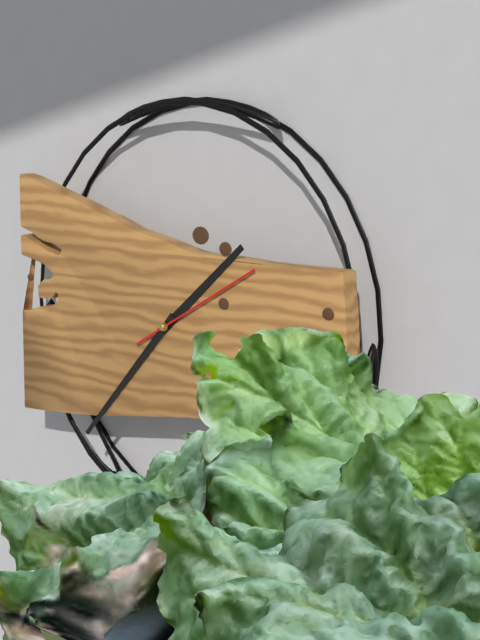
{"hour": 1, "minute": 37, "second": 10}
